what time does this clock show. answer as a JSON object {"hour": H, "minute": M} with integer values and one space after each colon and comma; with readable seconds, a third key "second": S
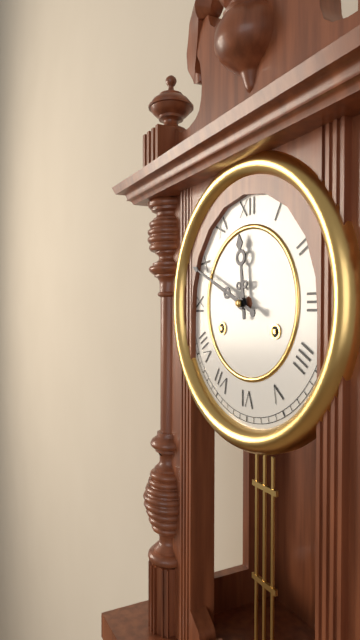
{"hour": 11, "minute": 49}
